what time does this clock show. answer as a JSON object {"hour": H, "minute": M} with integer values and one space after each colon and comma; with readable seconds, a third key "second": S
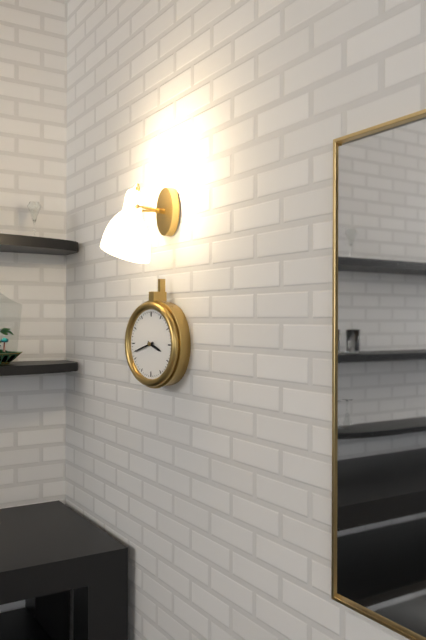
{"hour": 3, "minute": 42}
